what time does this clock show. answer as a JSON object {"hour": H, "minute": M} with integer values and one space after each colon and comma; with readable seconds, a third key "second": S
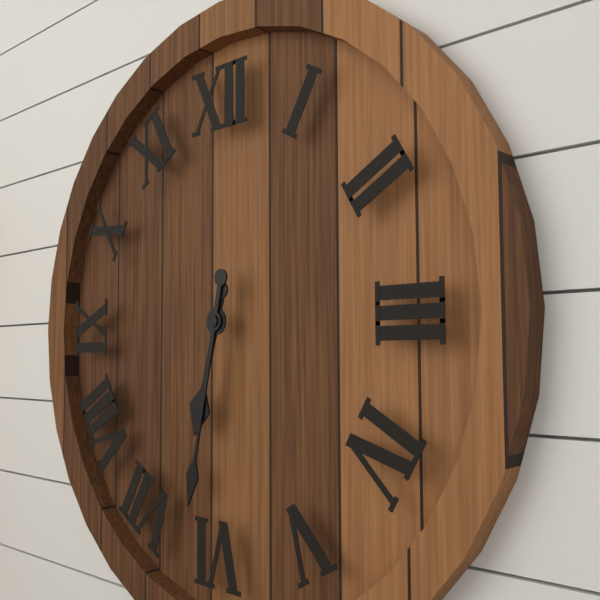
{"hour": 6, "minute": 32}
